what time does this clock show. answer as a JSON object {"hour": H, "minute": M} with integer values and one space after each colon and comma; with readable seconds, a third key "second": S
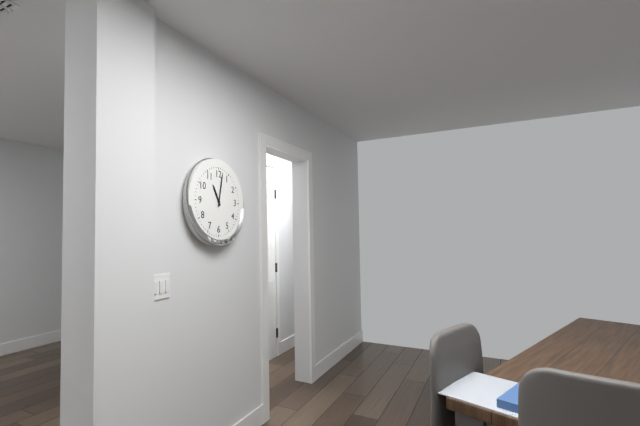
{"hour": 11, "minute": 2}
